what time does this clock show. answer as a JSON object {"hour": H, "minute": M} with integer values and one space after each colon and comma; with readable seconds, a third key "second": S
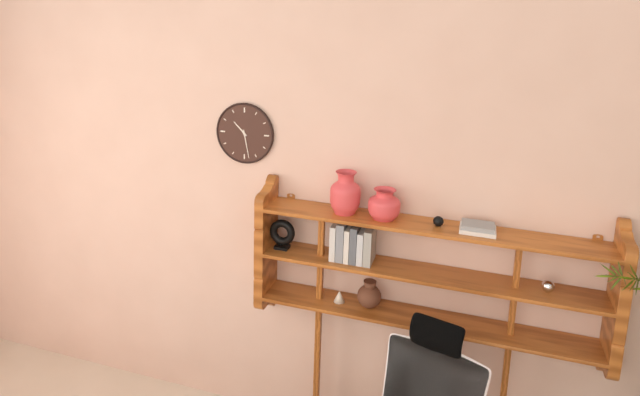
{"hour": 10, "minute": 28}
